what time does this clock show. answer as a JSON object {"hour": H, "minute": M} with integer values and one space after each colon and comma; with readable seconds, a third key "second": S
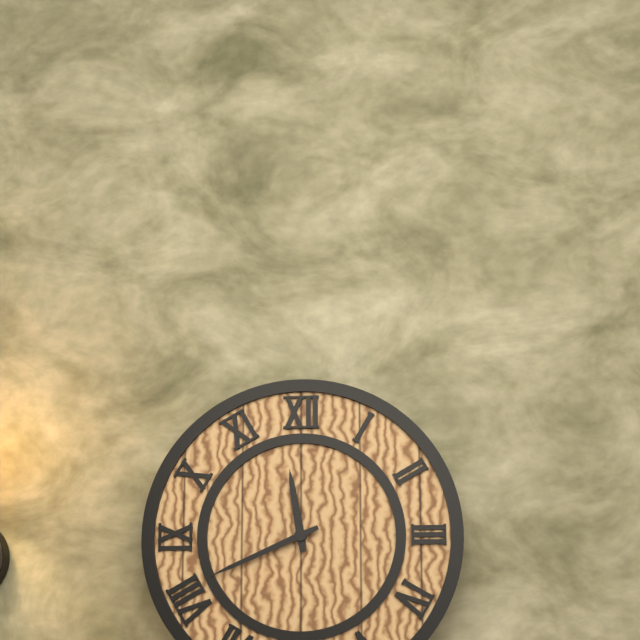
{"hour": 11, "minute": 41}
